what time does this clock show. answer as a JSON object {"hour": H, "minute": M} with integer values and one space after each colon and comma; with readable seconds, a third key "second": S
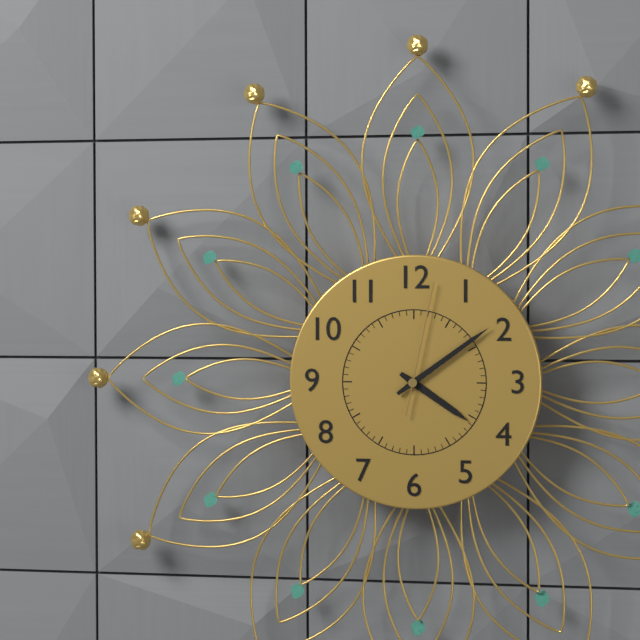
{"hour": 4, "minute": 9, "second": 2}
